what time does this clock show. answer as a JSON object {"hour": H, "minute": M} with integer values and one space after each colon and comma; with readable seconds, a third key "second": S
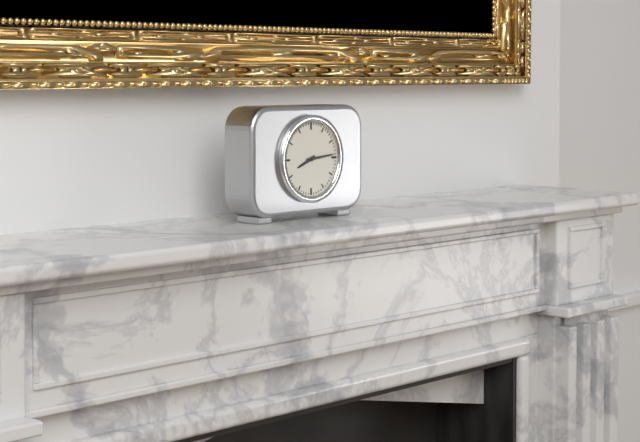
{"hour": 8, "minute": 14}
